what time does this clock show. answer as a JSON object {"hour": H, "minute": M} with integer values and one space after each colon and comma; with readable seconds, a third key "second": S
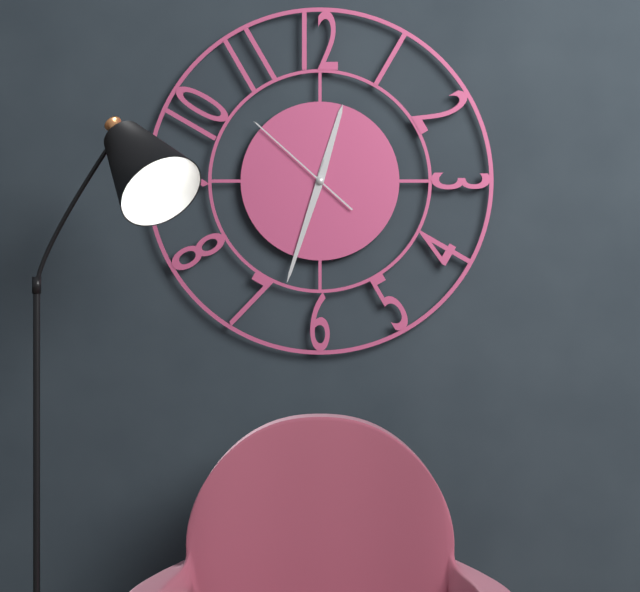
{"hour": 12, "minute": 33, "second": 52}
